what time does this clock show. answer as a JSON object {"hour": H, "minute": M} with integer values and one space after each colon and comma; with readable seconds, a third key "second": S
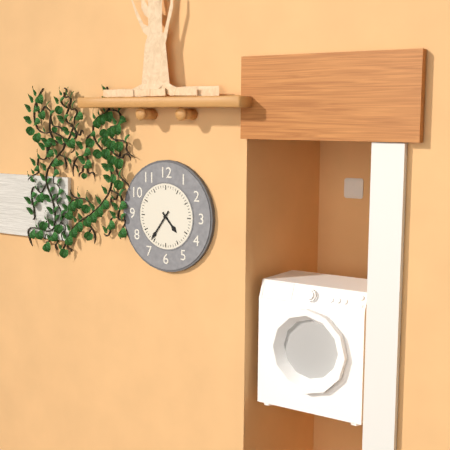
{"hour": 4, "minute": 36}
